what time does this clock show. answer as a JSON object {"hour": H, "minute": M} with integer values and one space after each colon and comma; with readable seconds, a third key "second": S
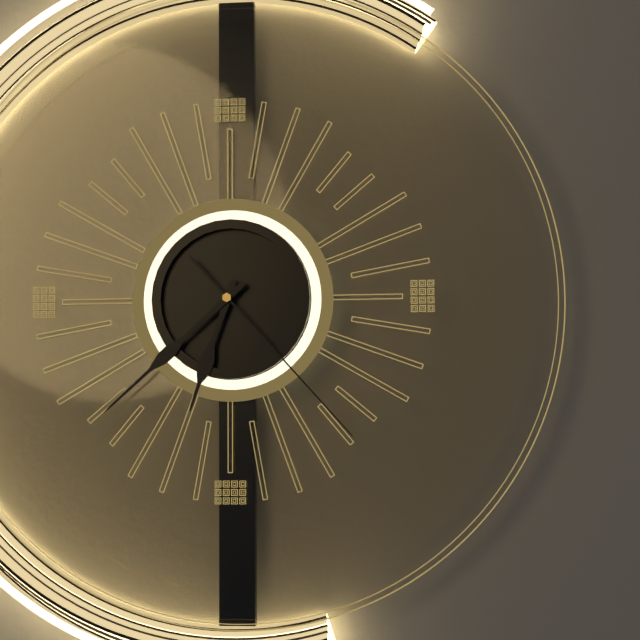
{"hour": 6, "minute": 38, "second": 23}
